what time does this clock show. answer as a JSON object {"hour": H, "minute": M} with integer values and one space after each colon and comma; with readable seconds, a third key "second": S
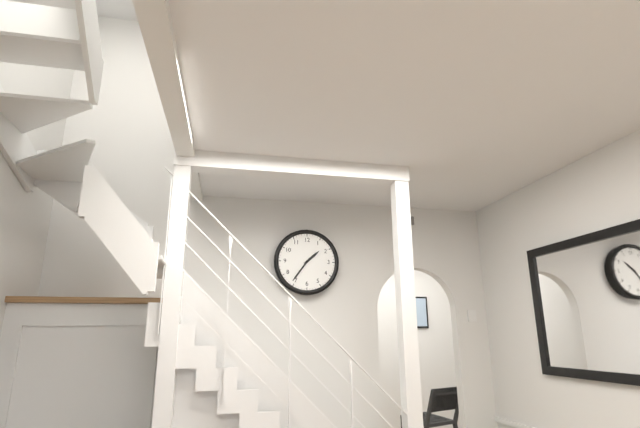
{"hour": 1, "minute": 36}
